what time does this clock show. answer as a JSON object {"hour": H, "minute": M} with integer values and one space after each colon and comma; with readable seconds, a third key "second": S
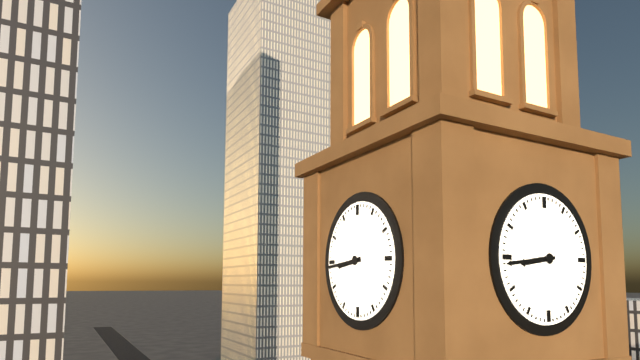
{"hour": 8, "minute": 44}
